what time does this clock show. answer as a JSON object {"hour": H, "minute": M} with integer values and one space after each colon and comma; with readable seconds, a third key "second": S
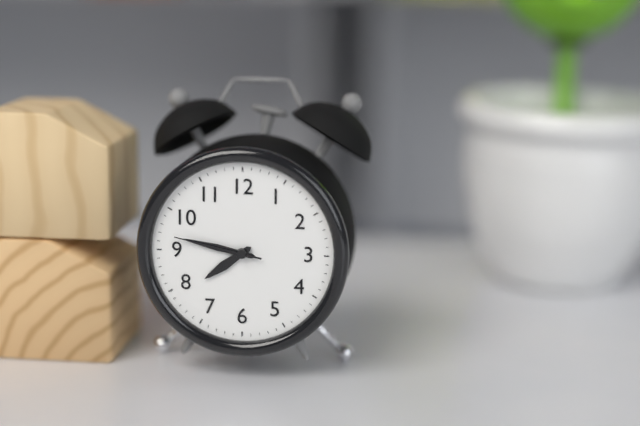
{"hour": 7, "minute": 47, "second": 47}
